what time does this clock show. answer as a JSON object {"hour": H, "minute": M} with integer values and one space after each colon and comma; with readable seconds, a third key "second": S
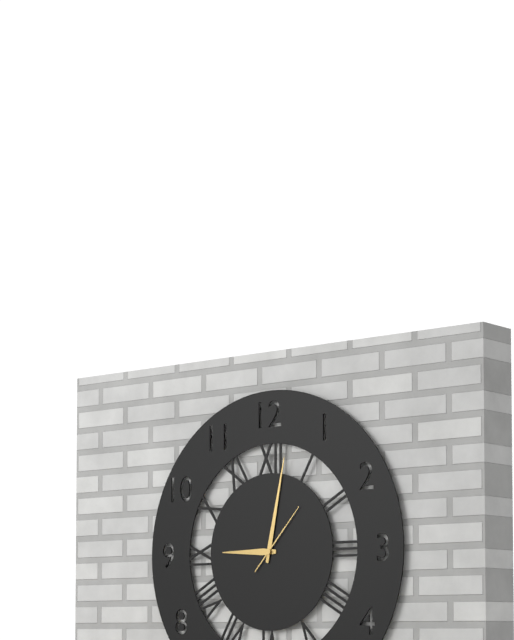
{"hour": 9, "minute": 2, "second": 7}
